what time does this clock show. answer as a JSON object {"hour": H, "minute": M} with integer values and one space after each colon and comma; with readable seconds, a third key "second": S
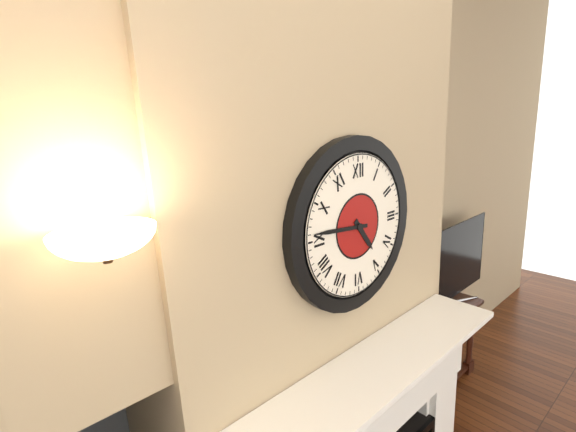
{"hour": 4, "minute": 46}
